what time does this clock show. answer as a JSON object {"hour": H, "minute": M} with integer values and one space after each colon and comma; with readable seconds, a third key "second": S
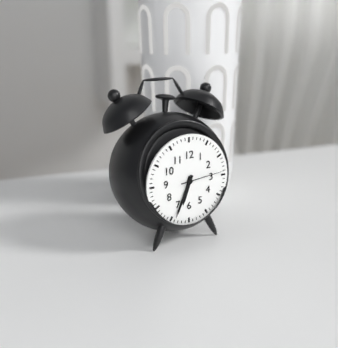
{"hour": 6, "minute": 34}
